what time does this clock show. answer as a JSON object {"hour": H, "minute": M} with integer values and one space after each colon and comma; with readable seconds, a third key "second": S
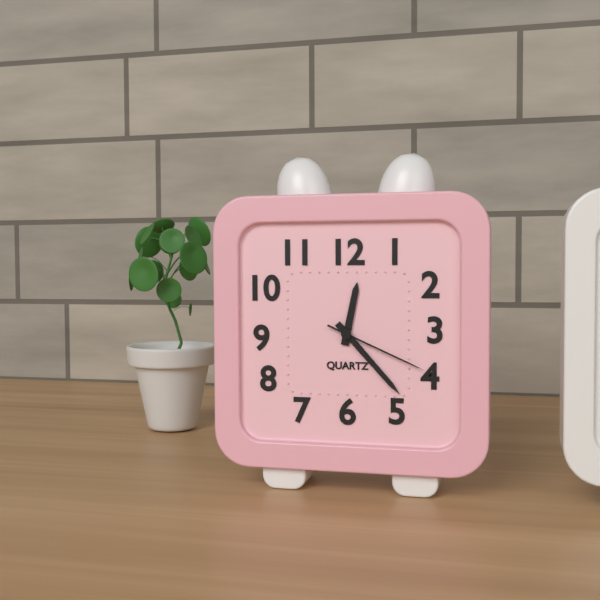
{"hour": 12, "minute": 23, "second": 19}
